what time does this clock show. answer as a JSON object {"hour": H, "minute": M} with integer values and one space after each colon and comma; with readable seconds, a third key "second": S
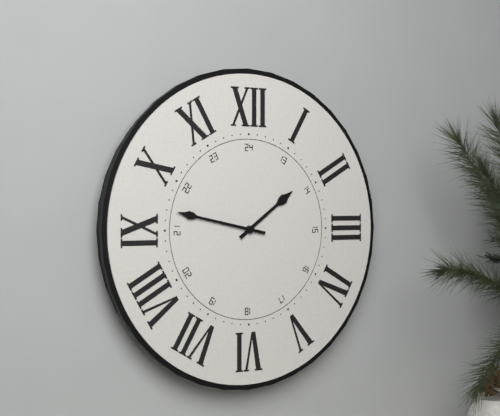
{"hour": 1, "minute": 47}
